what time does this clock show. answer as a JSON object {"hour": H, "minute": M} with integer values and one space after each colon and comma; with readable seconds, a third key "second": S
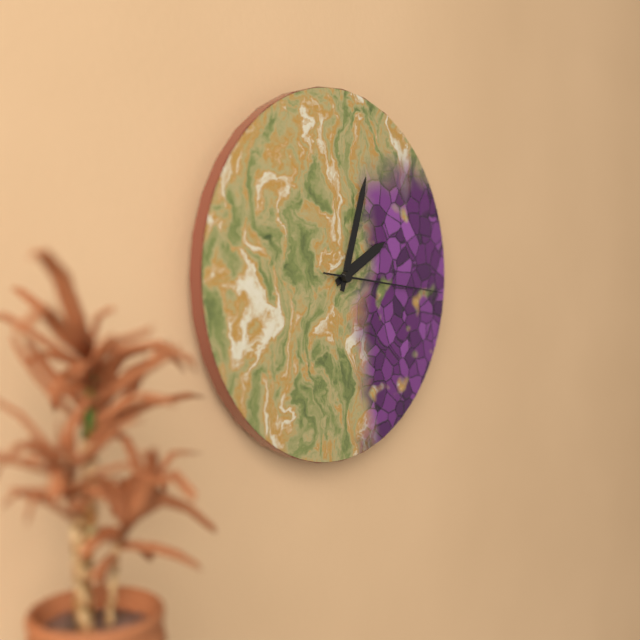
{"hour": 2, "minute": 3, "second": 16}
